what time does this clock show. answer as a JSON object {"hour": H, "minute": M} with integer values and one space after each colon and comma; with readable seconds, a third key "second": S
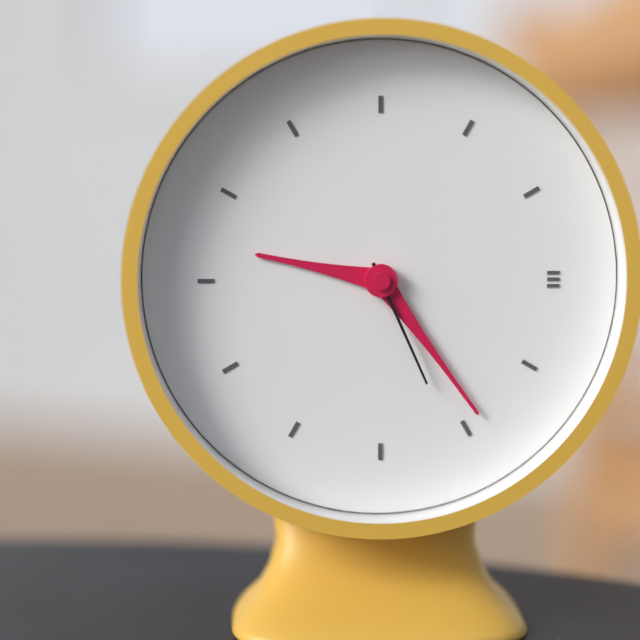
{"hour": 9, "minute": 24, "second": 26}
